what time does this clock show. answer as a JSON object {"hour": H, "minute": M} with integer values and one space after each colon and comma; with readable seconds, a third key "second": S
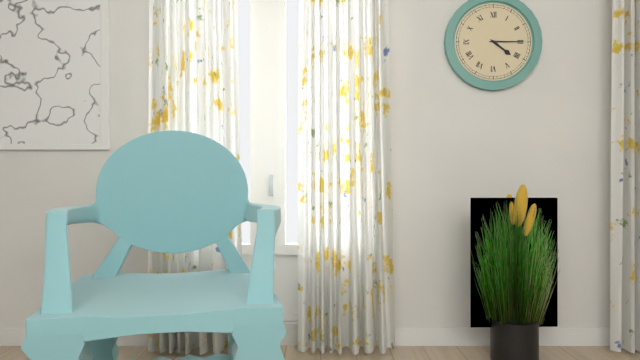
{"hour": 4, "minute": 15}
